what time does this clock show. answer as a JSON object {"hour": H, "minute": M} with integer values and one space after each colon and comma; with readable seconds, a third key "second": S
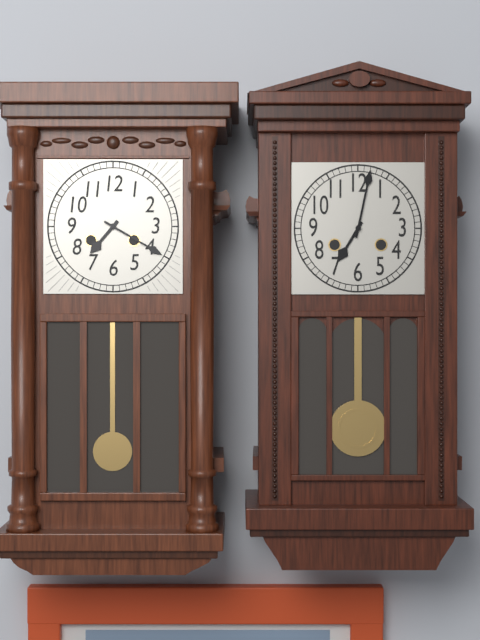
{"hour": 7, "minute": 20}
